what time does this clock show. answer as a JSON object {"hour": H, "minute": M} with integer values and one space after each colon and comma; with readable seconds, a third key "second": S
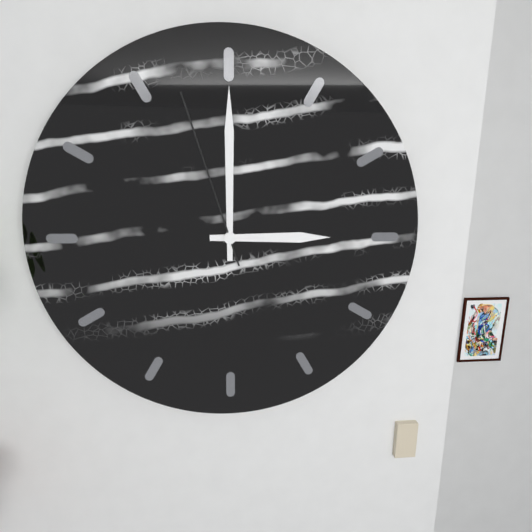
{"hour": 3, "minute": 0, "second": 57}
